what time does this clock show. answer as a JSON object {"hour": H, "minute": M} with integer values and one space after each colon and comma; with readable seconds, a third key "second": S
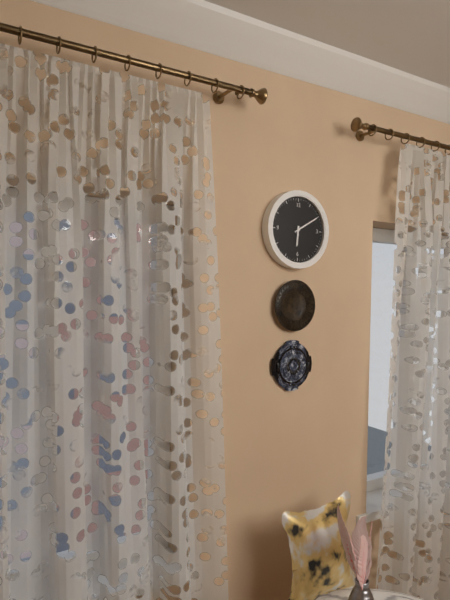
{"hour": 6, "minute": 10}
